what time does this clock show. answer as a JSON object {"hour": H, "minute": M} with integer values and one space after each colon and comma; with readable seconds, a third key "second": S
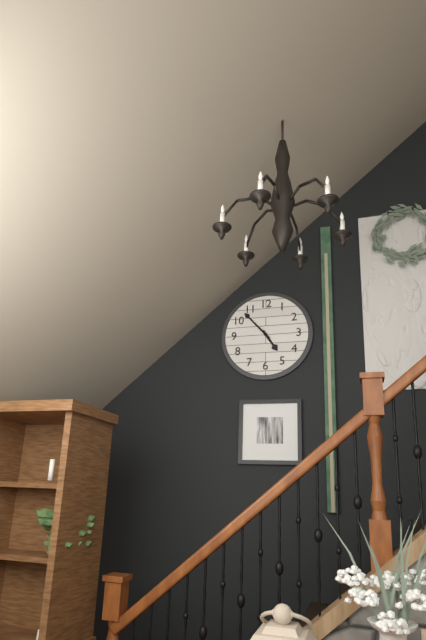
{"hour": 4, "minute": 53}
